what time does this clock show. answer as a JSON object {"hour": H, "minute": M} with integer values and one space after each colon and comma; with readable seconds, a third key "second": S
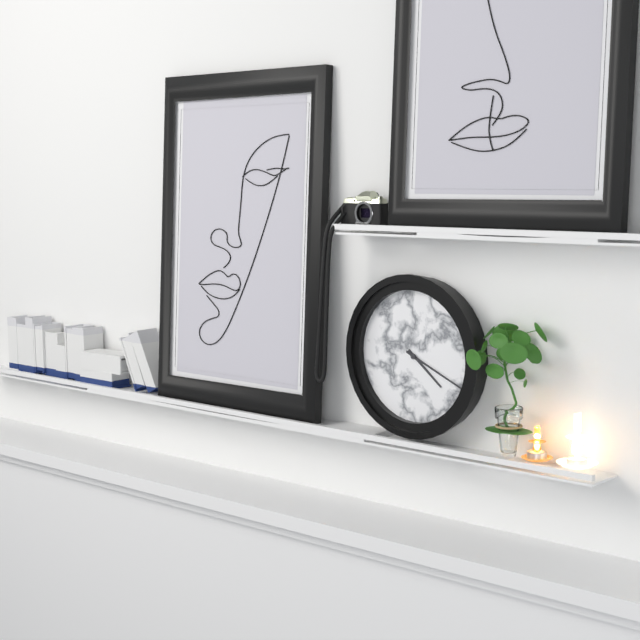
{"hour": 4, "minute": 19}
